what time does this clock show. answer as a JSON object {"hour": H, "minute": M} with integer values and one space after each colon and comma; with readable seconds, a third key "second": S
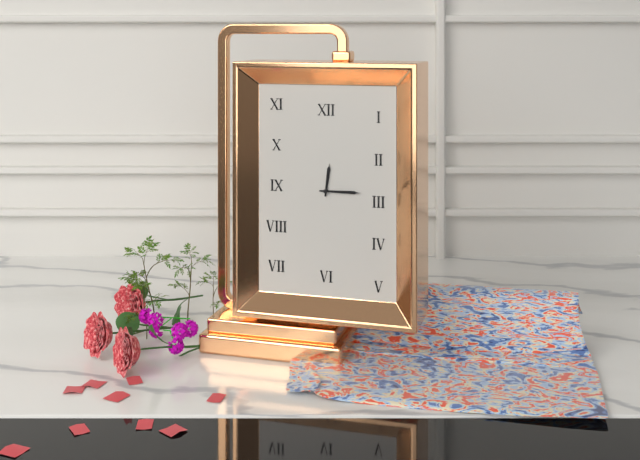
{"hour": 12, "minute": 15}
